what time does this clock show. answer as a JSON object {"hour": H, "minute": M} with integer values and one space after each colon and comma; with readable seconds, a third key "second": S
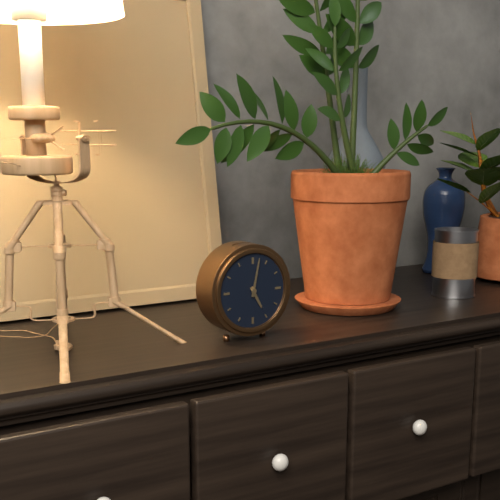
{"hour": 5, "minute": 2}
